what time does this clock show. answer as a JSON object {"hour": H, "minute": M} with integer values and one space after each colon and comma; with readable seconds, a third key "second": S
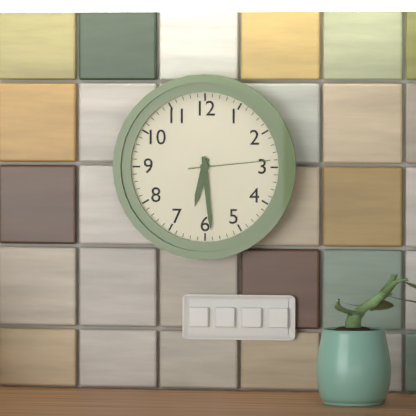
{"hour": 6, "minute": 29, "second": 14}
